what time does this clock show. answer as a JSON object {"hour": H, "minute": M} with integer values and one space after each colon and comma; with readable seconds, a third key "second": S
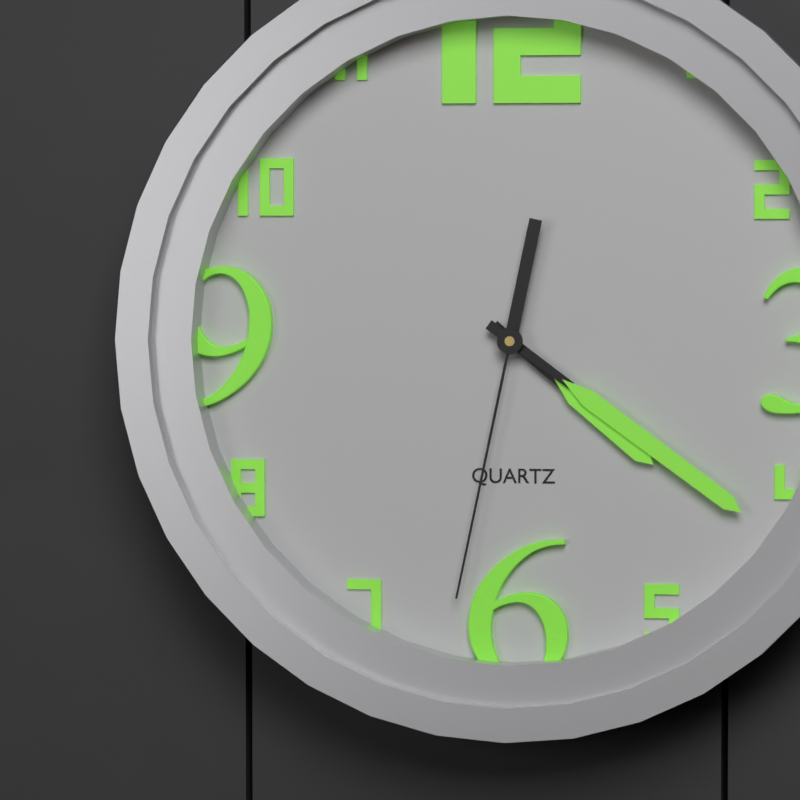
{"hour": 4, "minute": 21, "second": 32}
